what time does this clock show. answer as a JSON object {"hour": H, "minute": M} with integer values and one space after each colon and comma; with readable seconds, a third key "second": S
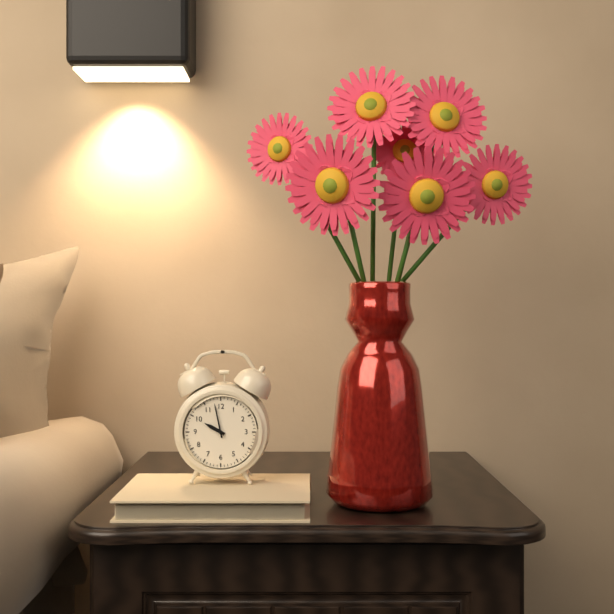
{"hour": 9, "minute": 58}
